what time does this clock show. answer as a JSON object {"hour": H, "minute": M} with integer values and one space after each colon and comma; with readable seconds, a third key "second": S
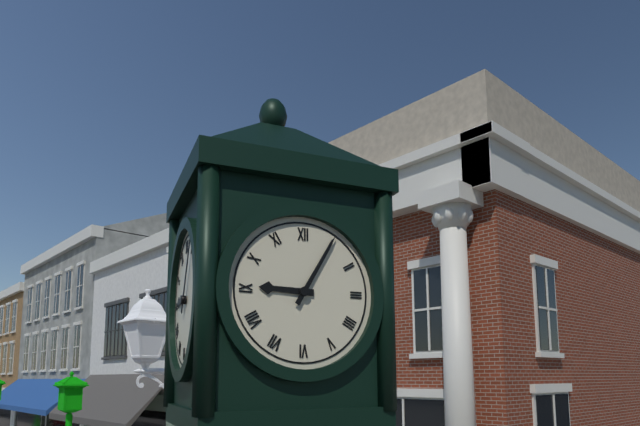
{"hour": 9, "minute": 5}
